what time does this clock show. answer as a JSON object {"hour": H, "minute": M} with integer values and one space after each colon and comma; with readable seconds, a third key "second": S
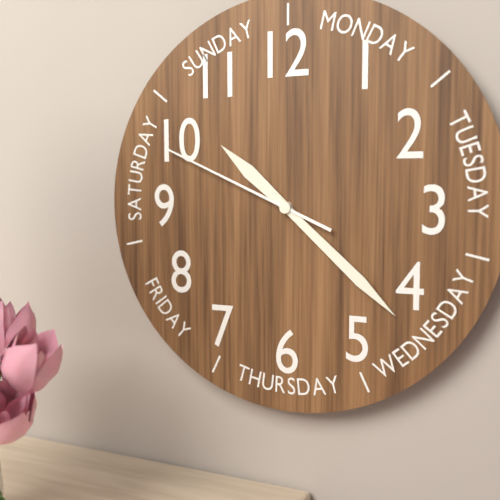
{"hour": 10, "minute": 22, "second": 49}
